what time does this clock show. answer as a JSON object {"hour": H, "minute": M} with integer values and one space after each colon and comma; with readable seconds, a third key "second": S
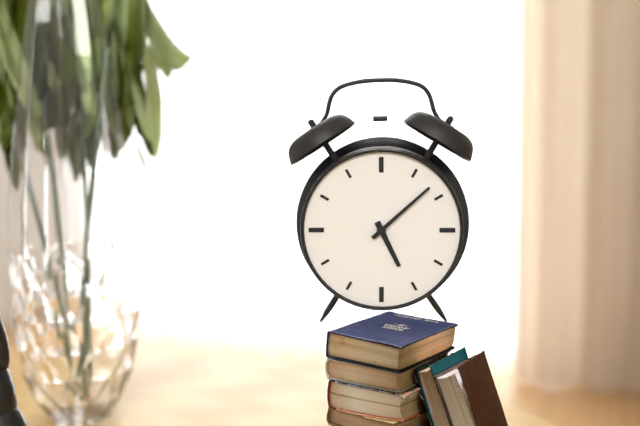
{"hour": 5, "minute": 8}
